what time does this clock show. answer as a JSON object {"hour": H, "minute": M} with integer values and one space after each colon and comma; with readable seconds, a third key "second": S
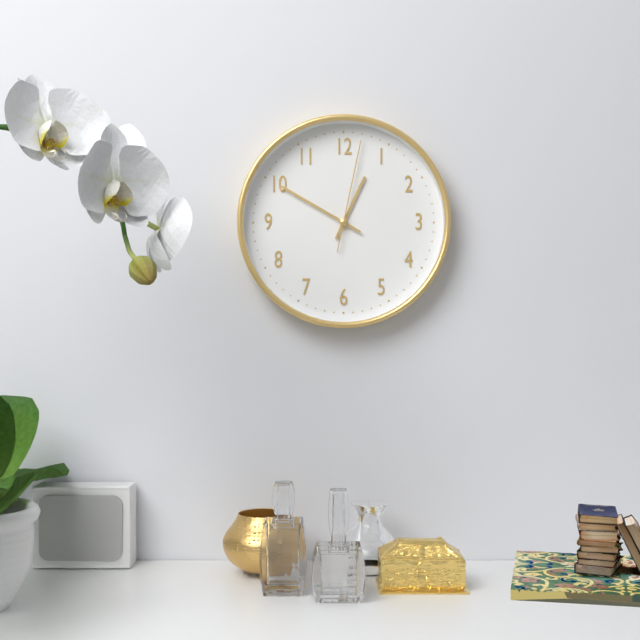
{"hour": 12, "minute": 50, "second": 2}
